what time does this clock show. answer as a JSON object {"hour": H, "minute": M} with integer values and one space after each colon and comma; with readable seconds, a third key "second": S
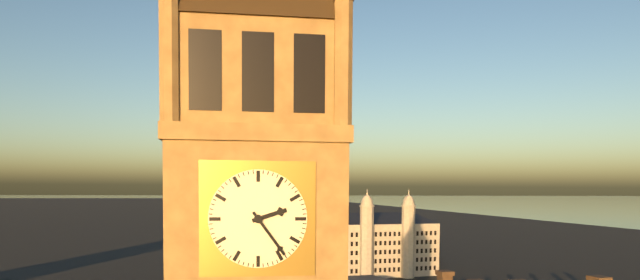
{"hour": 2, "minute": 24}
